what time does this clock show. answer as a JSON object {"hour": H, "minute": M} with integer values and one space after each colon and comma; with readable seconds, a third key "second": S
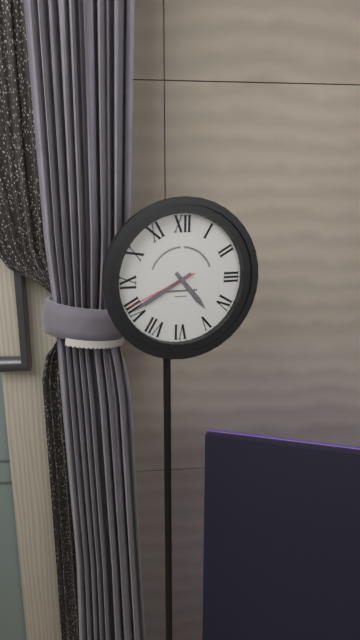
{"hour": 4, "minute": 40, "second": 41}
